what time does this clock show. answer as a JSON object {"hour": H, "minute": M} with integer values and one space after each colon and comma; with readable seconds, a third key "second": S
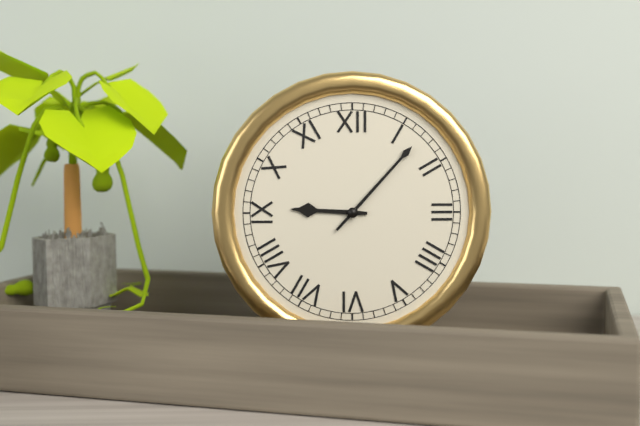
{"hour": 9, "minute": 7}
